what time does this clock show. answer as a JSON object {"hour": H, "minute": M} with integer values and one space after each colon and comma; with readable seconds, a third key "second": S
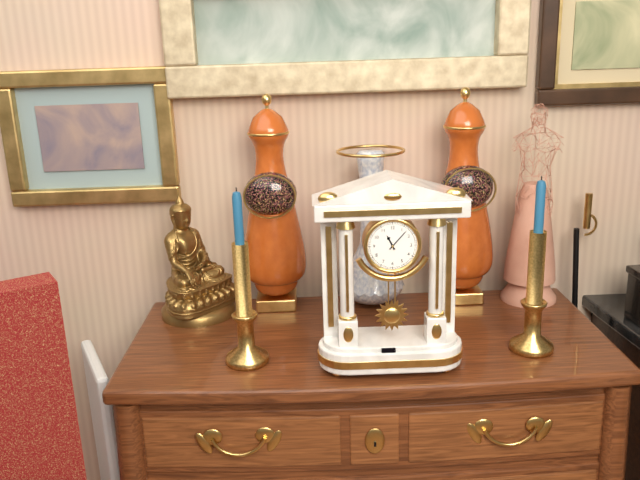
{"hour": 11, "minute": 7}
